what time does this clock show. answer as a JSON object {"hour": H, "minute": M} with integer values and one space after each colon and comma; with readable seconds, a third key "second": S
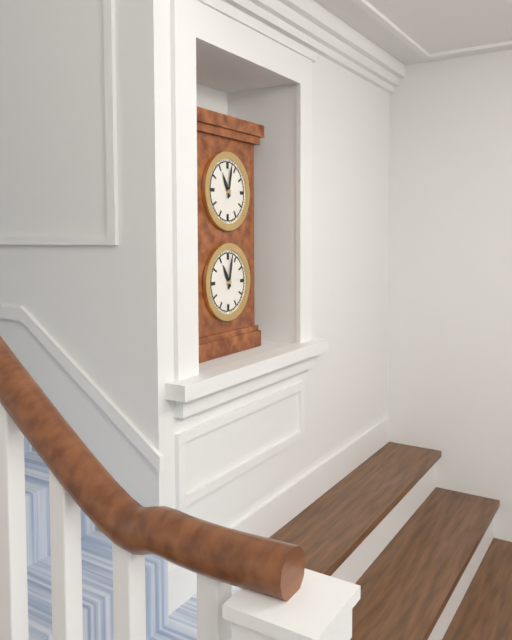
{"hour": 11, "minute": 2}
